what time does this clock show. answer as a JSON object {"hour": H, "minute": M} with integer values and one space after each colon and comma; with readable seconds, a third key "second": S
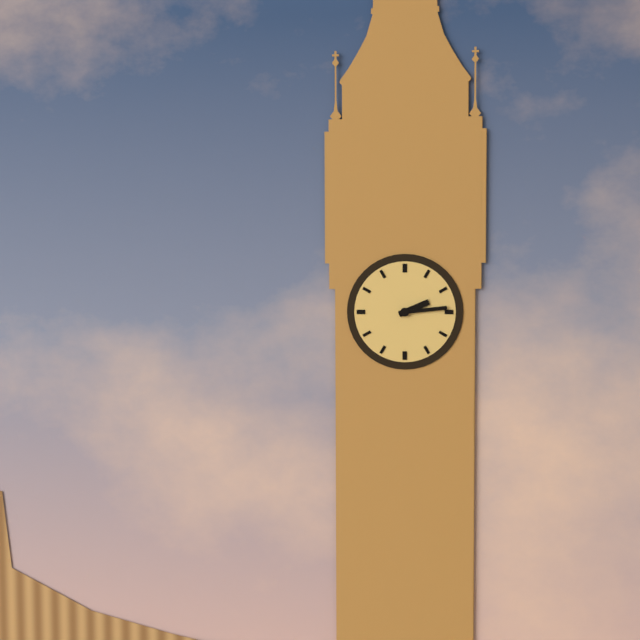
{"hour": 2, "minute": 14}
